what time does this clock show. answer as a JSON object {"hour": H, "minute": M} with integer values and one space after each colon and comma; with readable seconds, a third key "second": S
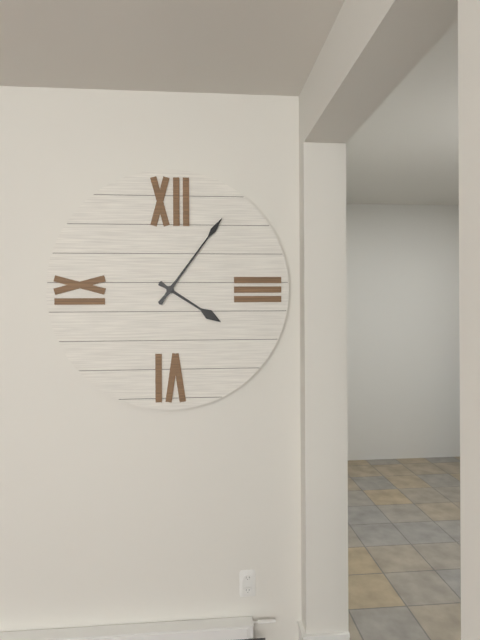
{"hour": 4, "minute": 6}
